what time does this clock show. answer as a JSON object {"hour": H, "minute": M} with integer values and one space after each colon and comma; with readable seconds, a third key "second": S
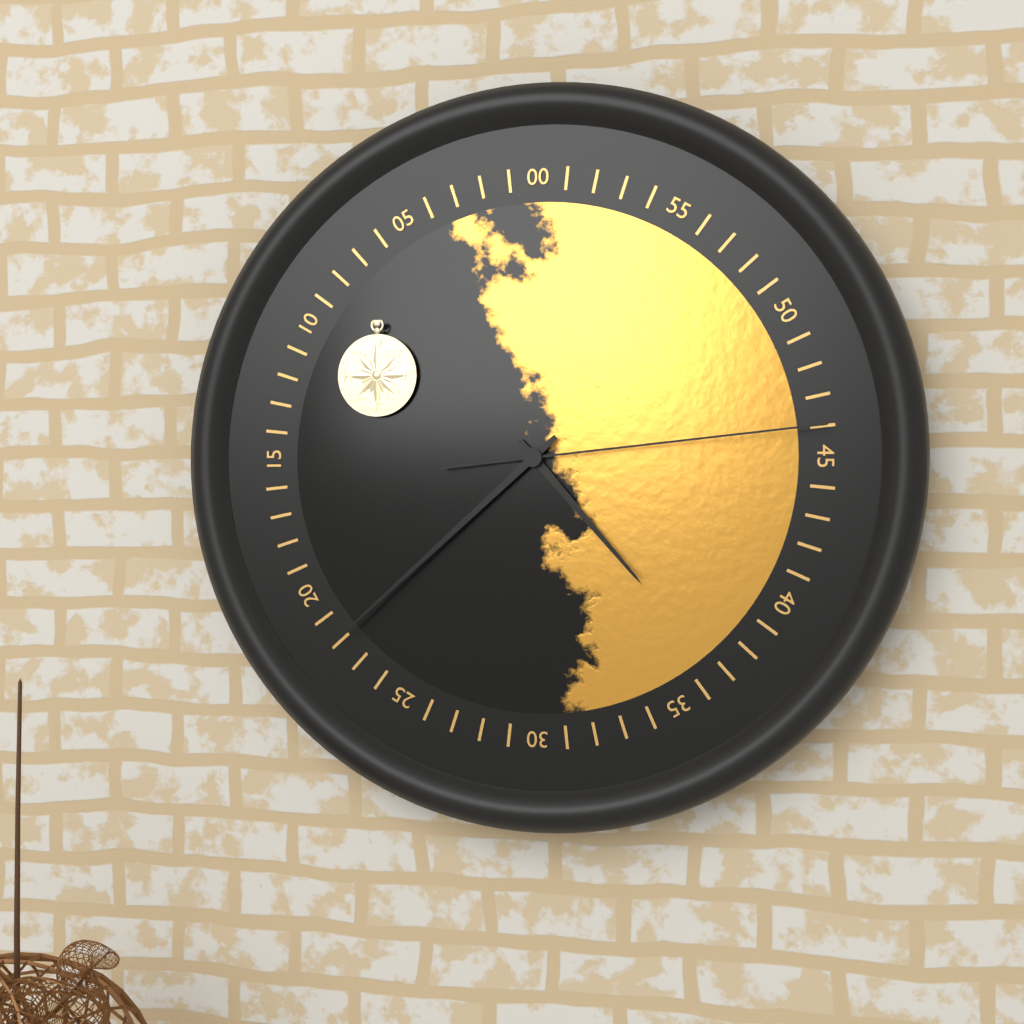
{"hour": 4, "minute": 38, "second": 14}
